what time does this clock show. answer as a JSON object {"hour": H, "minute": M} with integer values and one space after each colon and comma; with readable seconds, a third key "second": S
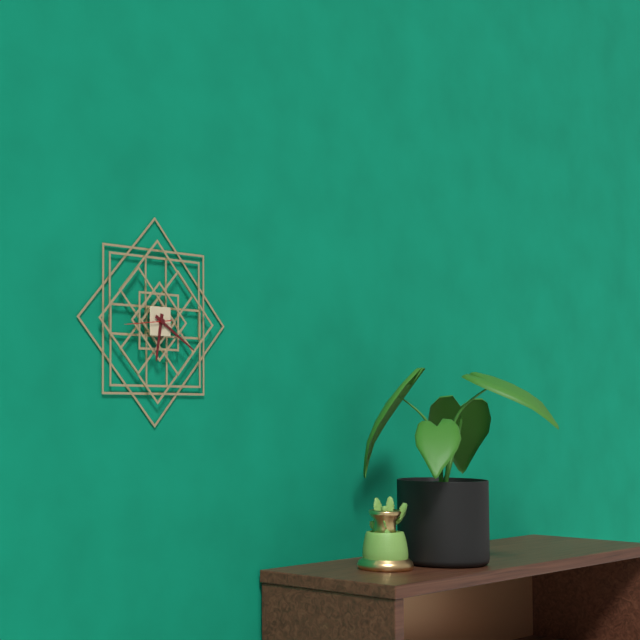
{"hour": 6, "minute": 20}
